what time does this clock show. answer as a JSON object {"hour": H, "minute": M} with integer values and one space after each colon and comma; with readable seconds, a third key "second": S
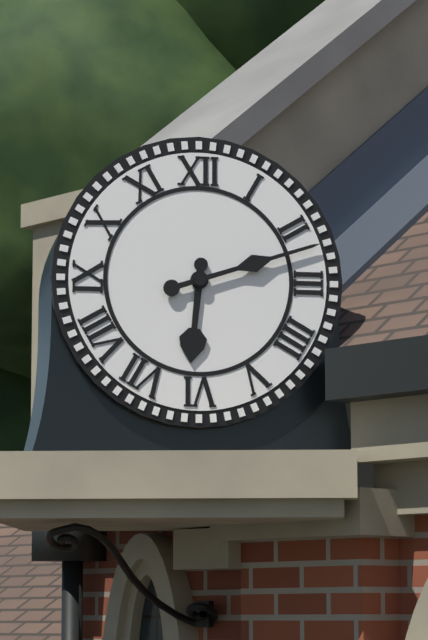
{"hour": 6, "minute": 12}
